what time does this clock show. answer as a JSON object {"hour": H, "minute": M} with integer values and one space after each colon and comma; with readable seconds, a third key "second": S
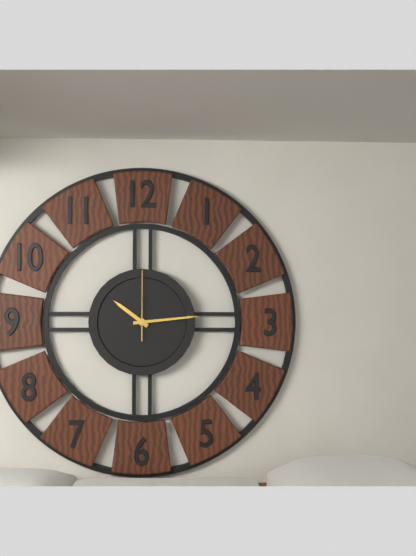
{"hour": 10, "minute": 14, "second": 0}
